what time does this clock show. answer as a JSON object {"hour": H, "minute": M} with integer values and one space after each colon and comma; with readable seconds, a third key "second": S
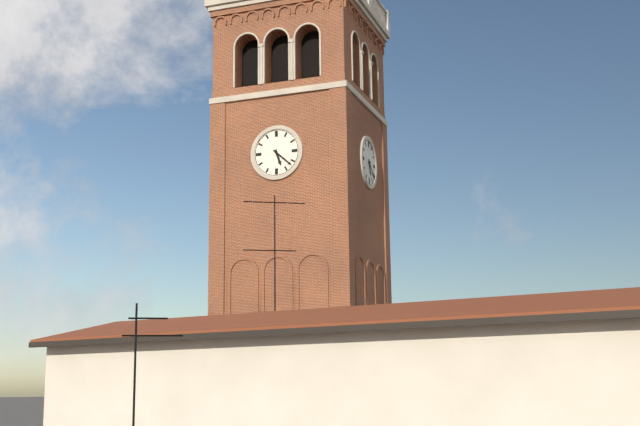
{"hour": 5, "minute": 22}
